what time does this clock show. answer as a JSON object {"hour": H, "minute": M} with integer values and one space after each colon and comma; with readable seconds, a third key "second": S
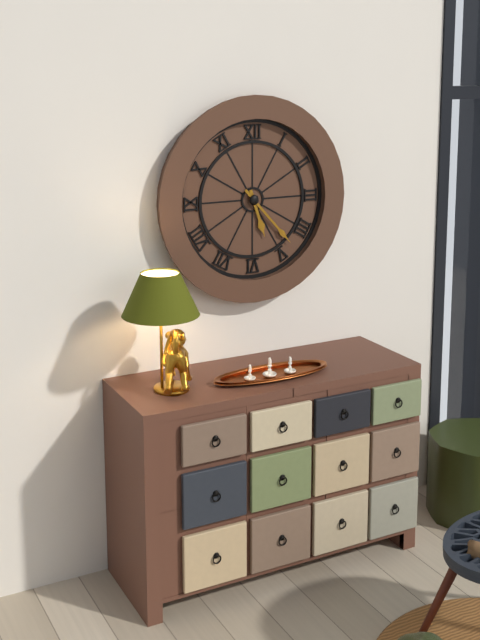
{"hour": 5, "minute": 23}
